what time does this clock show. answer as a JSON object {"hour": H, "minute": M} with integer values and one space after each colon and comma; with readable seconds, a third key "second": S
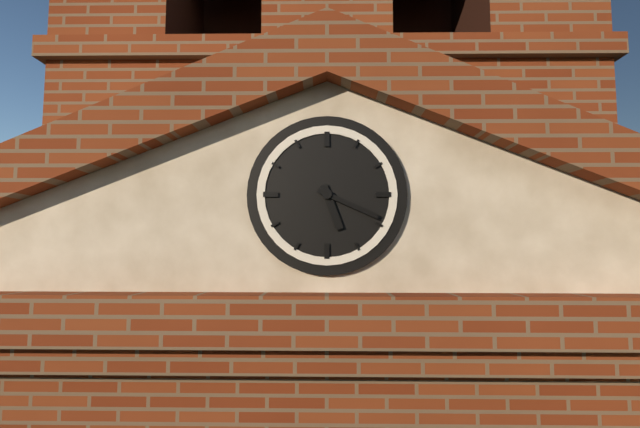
{"hour": 5, "minute": 19}
